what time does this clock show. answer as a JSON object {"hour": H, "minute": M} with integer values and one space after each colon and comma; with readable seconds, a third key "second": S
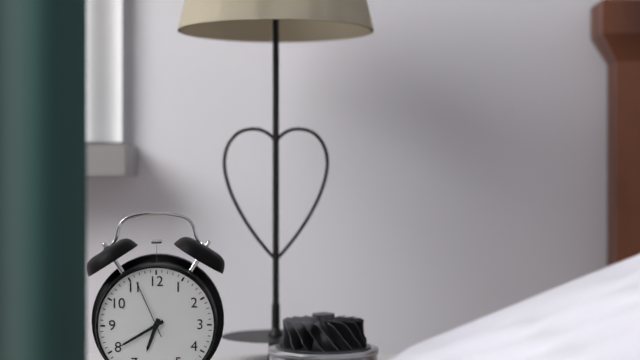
{"hour": 6, "minute": 40, "second": 56}
